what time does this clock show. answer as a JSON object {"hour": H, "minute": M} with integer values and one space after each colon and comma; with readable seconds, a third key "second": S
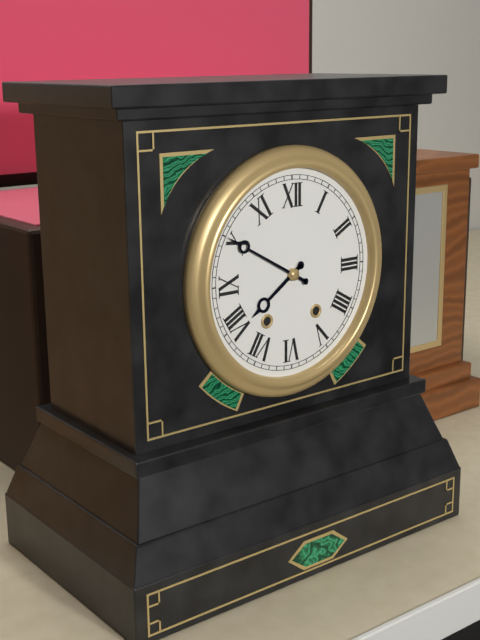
{"hour": 7, "minute": 50}
